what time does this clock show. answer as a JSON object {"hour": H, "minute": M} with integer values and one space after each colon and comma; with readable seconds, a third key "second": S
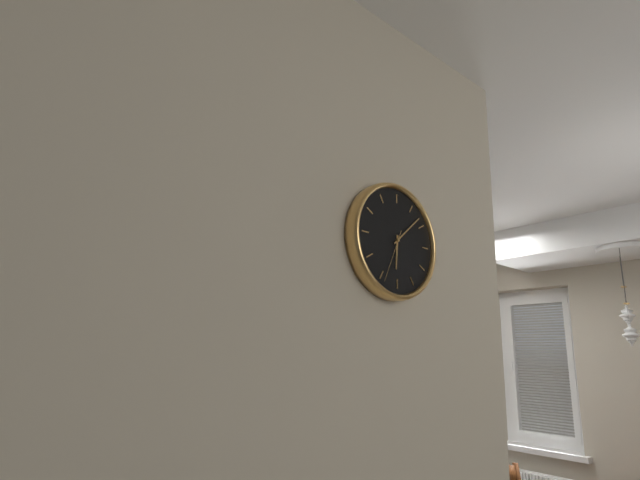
{"hour": 6, "minute": 8}
